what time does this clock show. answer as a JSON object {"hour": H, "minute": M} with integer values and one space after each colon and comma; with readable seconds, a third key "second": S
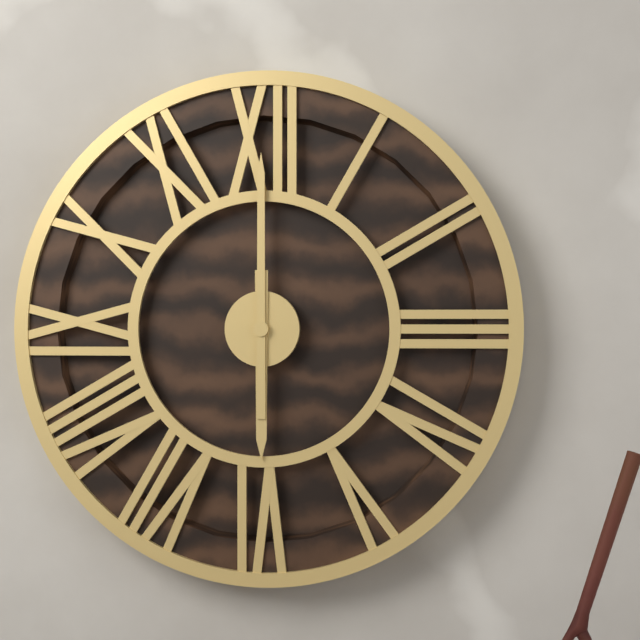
{"hour": 6, "minute": 0}
